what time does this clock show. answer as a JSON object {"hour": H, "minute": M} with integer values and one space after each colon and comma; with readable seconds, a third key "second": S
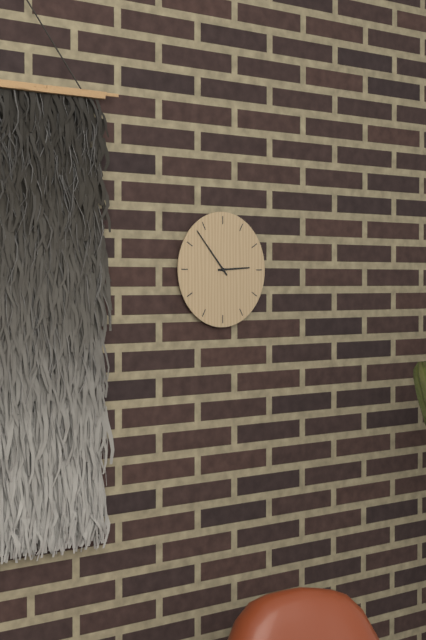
{"hour": 2, "minute": 53}
